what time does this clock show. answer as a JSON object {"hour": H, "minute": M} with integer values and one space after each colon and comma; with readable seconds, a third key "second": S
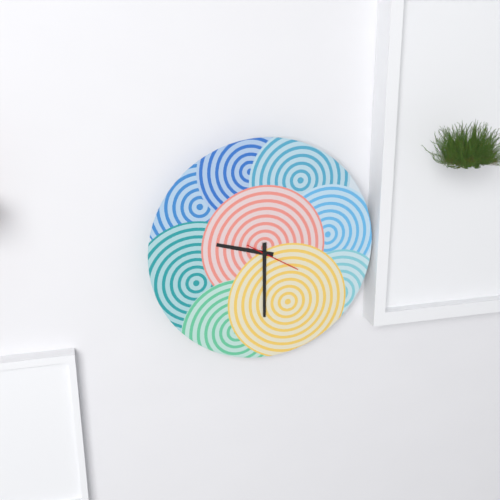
{"hour": 9, "minute": 30}
